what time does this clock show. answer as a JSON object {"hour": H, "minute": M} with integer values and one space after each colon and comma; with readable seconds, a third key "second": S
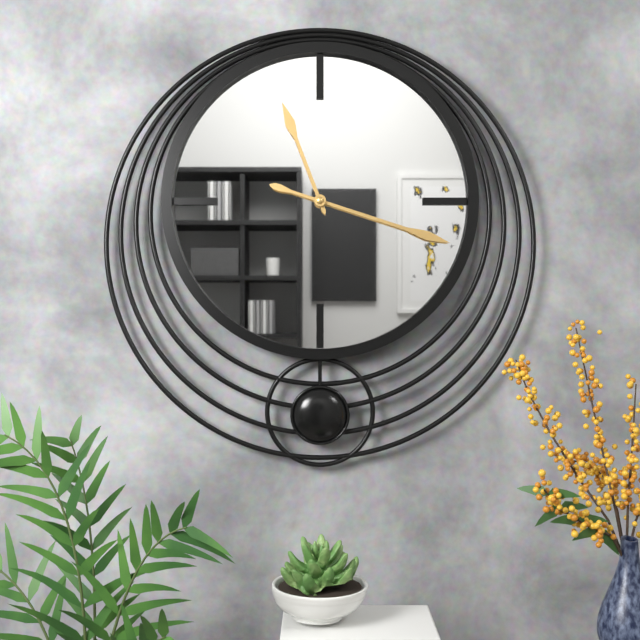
{"hour": 11, "minute": 18}
